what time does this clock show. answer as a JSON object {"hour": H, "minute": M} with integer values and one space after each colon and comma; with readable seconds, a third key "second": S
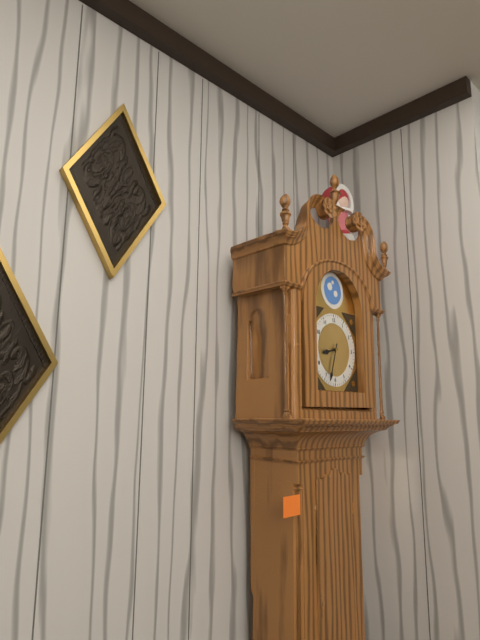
{"hour": 8, "minute": 33}
